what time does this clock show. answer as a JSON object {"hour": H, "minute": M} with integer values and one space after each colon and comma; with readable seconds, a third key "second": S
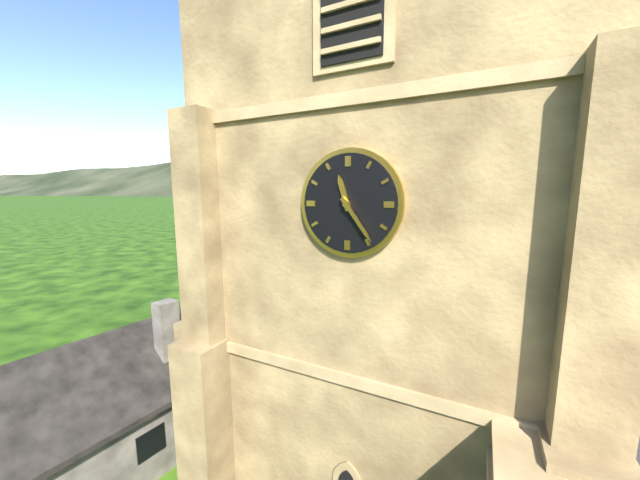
{"hour": 11, "minute": 24}
